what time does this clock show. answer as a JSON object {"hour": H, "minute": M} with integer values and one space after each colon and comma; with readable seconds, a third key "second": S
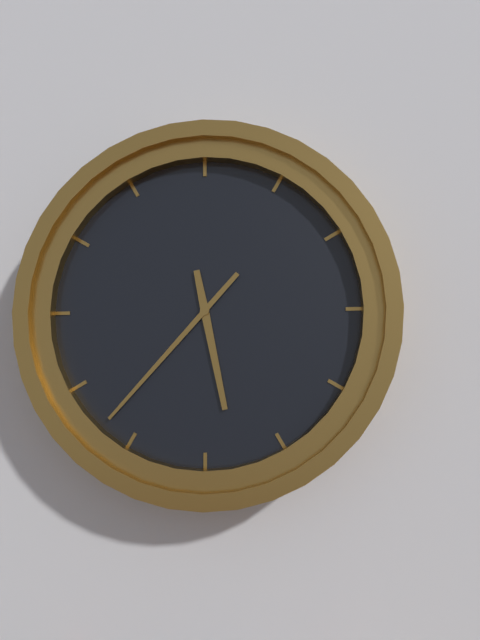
{"hour": 5, "minute": 37}
